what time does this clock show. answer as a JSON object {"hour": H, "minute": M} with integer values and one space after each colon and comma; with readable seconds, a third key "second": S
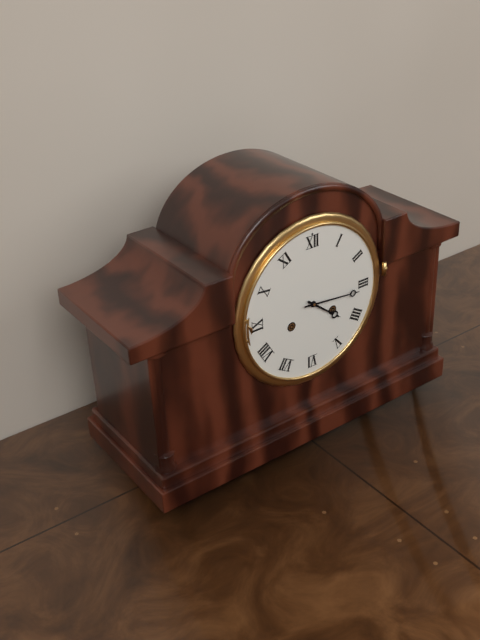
{"hour": 4, "minute": 16}
